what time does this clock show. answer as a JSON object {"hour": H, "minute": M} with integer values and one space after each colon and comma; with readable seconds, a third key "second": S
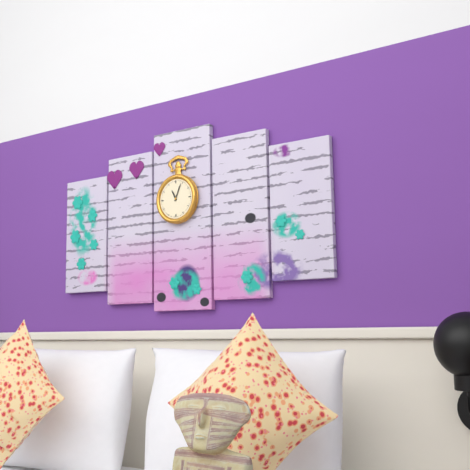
{"hour": 11, "minute": 4}
